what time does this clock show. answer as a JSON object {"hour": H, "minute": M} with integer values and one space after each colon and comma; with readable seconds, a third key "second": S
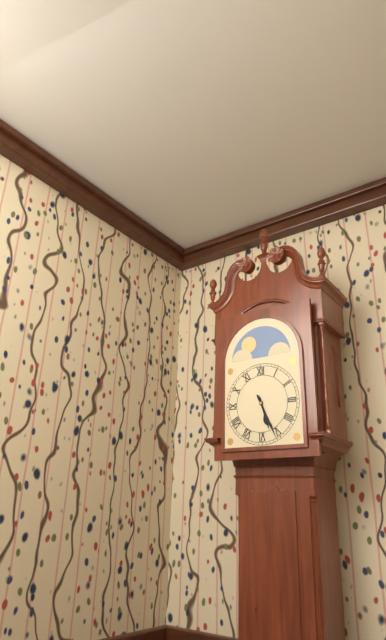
{"hour": 5, "minute": 26}
